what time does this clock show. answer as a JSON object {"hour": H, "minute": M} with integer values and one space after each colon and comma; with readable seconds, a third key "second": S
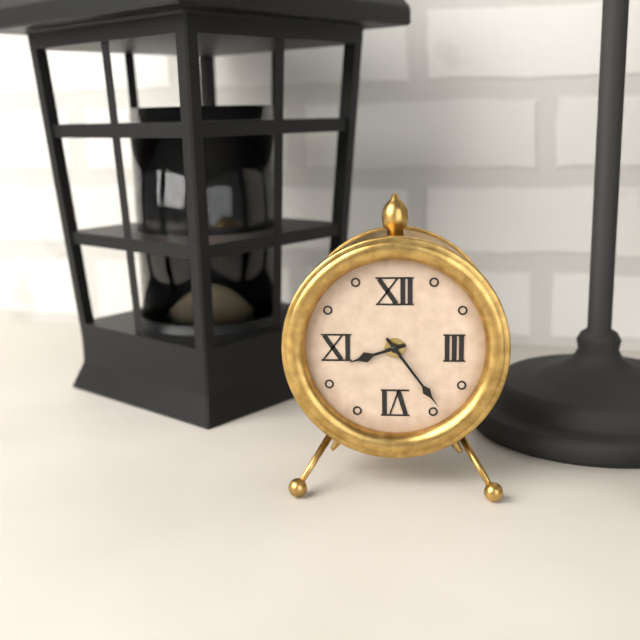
{"hour": 8, "minute": 24}
